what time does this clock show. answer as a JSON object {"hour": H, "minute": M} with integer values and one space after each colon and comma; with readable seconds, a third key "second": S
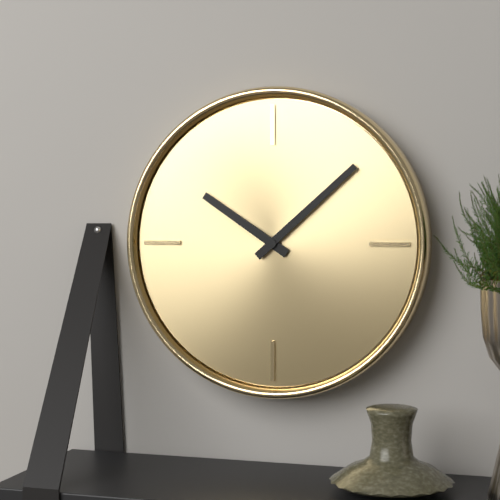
{"hour": 10, "minute": 8}
